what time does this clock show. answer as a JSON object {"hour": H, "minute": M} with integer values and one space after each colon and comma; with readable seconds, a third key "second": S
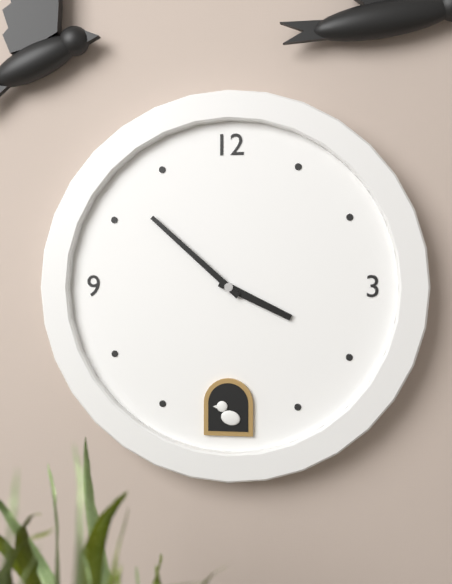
{"hour": 3, "minute": 52}
